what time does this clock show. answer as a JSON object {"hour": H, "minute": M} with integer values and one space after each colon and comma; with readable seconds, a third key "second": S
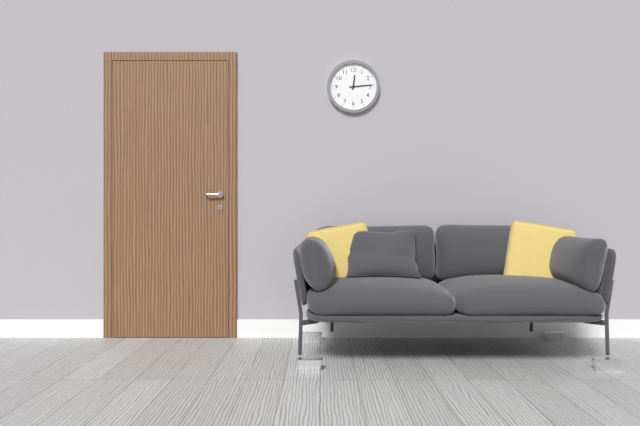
{"hour": 12, "minute": 14}
